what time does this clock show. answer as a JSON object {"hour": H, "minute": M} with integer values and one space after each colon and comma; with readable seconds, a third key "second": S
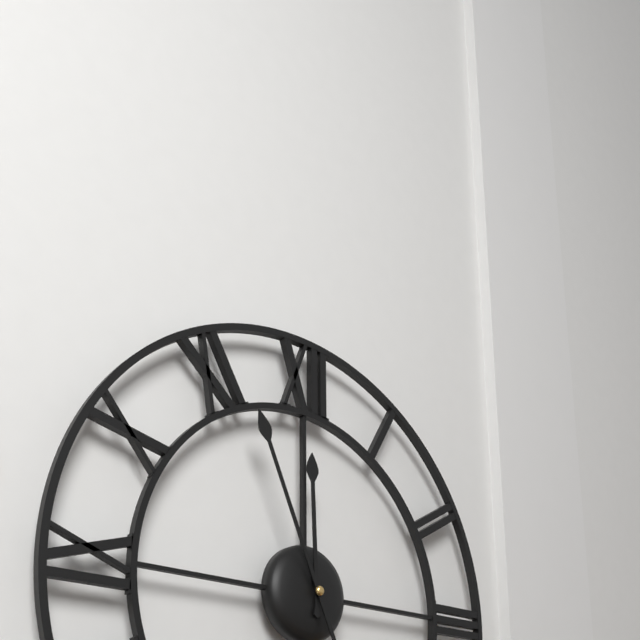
{"hour": 11, "minute": 56}
